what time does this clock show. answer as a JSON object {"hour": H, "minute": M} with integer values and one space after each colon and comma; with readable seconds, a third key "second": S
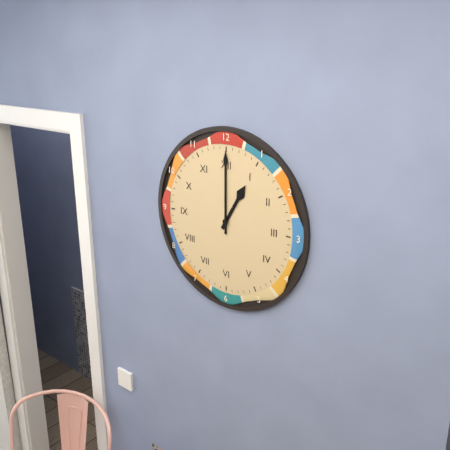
{"hour": 1, "minute": 0}
